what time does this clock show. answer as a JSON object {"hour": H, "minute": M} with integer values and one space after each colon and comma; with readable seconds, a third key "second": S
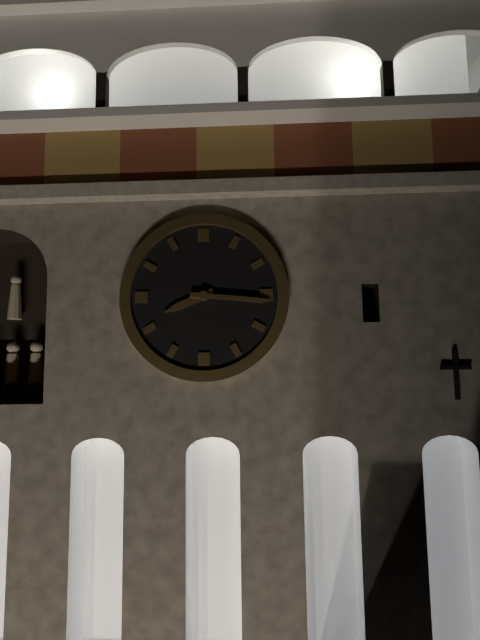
{"hour": 8, "minute": 16}
